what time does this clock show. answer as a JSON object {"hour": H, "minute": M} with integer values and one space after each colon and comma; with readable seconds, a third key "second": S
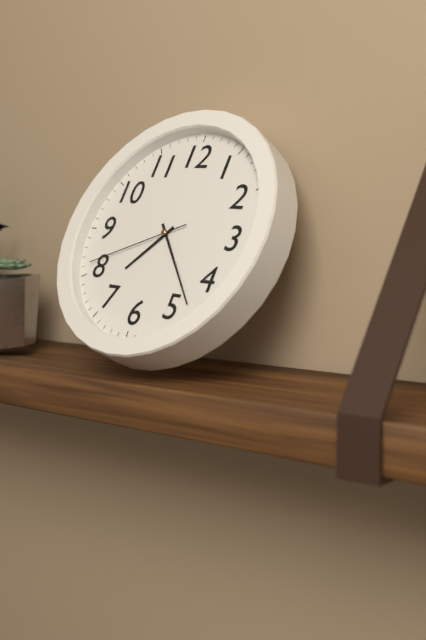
{"hour": 7, "minute": 23, "second": 41}
